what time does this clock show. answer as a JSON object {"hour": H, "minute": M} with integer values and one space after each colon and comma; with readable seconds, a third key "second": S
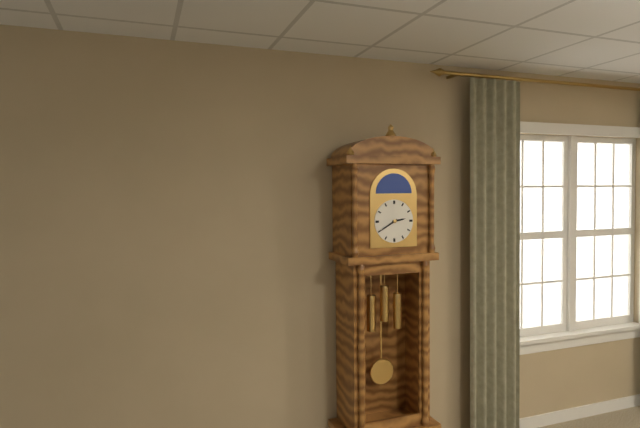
{"hour": 2, "minute": 40}
